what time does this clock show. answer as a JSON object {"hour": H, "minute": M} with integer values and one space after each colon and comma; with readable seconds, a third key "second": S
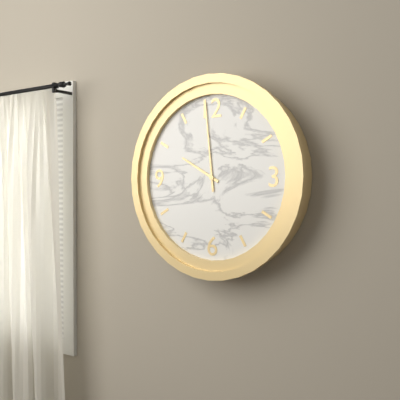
{"hour": 9, "minute": 59}
